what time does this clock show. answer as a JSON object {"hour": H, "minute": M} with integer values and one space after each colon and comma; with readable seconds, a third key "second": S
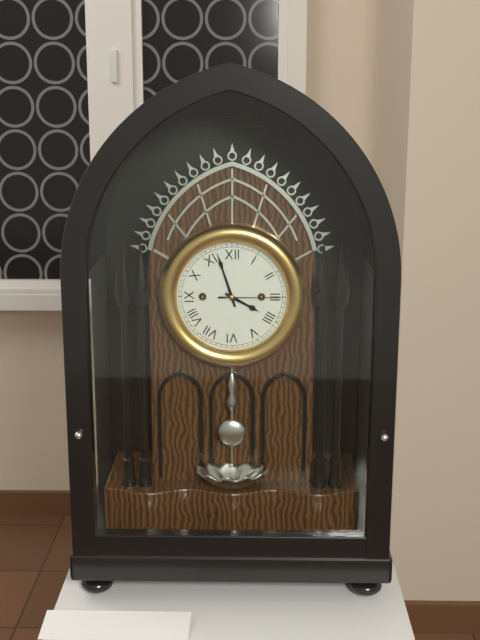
{"hour": 3, "minute": 57, "second": 15}
